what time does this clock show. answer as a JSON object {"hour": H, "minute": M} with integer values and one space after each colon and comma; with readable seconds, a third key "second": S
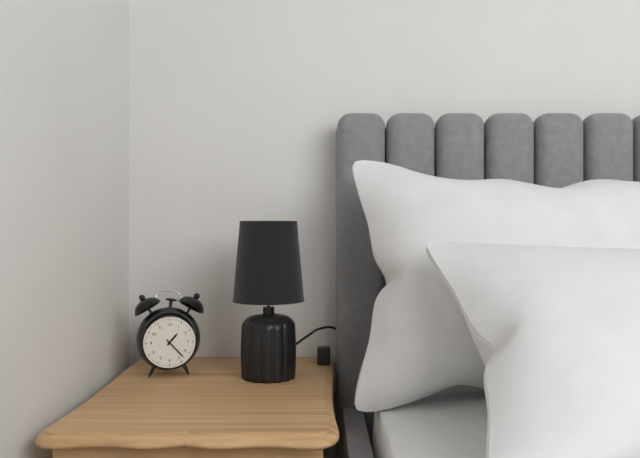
{"hour": 1, "minute": 23}
